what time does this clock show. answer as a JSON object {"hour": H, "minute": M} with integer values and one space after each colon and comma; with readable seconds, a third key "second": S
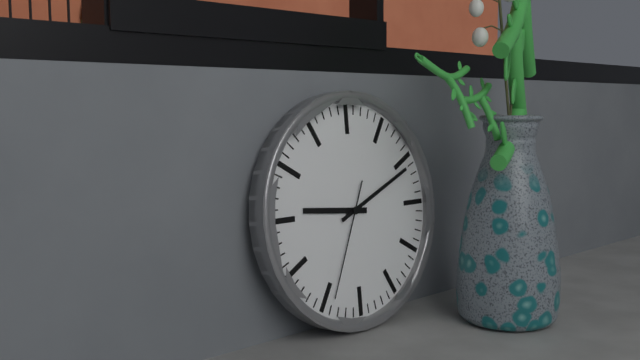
{"hour": 9, "minute": 11, "second": 34}
